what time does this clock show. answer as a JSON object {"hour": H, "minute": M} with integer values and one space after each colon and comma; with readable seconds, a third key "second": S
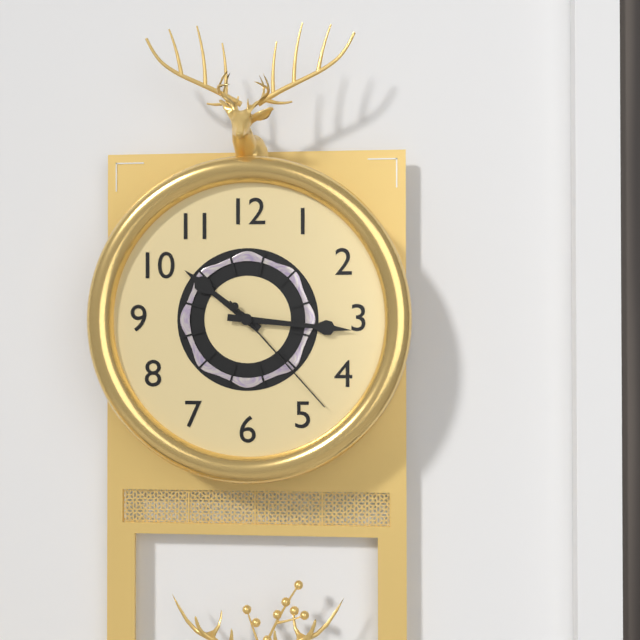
{"hour": 10, "minute": 16, "second": 23}
